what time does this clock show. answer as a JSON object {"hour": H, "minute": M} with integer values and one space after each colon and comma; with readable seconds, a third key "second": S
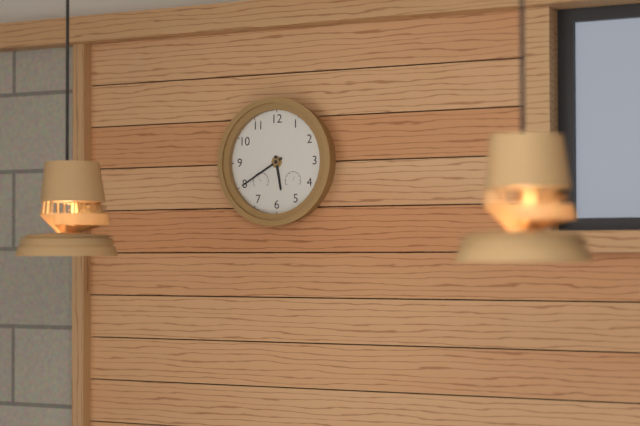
{"hour": 5, "minute": 40}
